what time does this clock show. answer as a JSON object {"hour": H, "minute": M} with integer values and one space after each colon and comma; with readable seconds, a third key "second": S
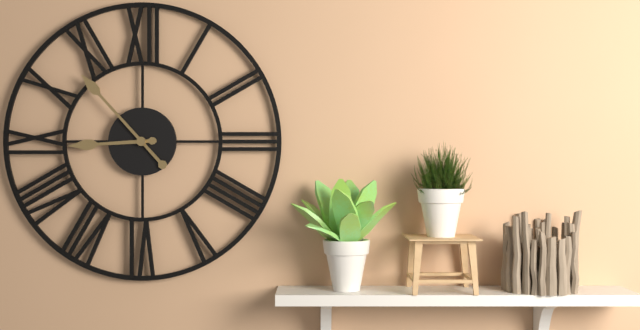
{"hour": 8, "minute": 53}
